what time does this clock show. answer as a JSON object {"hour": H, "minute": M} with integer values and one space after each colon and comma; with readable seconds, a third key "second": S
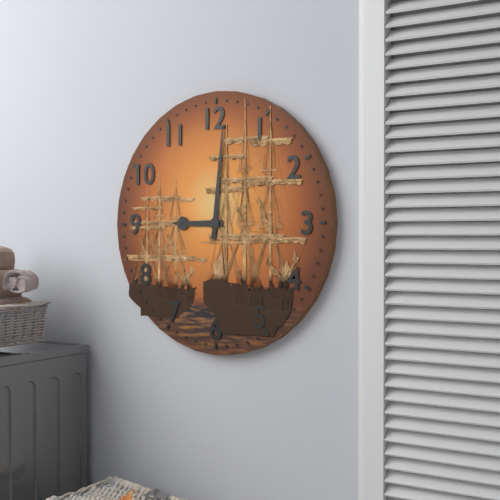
{"hour": 9, "minute": 1}
